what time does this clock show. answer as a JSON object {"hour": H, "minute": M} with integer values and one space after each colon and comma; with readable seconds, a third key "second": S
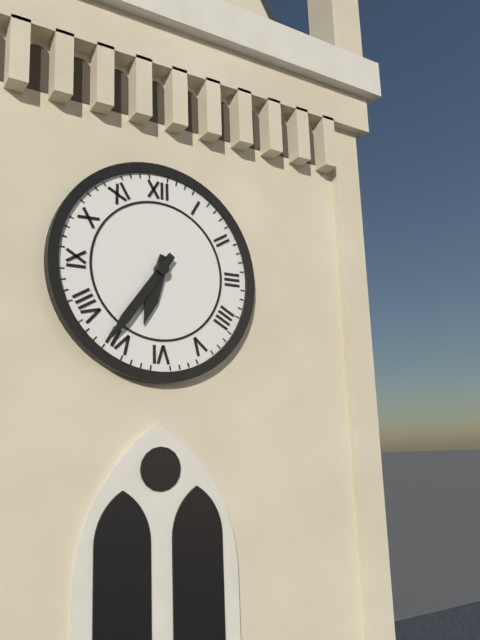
{"hour": 6, "minute": 36}
